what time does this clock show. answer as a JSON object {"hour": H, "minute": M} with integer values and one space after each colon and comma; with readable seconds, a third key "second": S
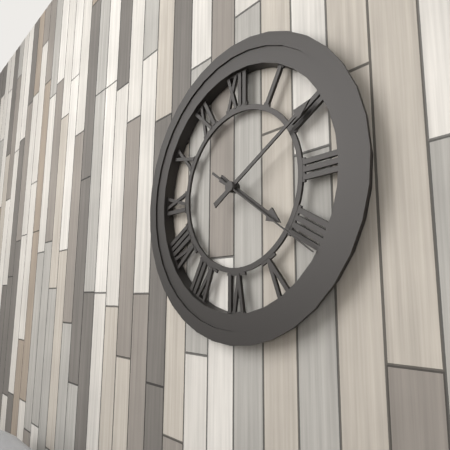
{"hour": 4, "minute": 10, "second": 21}
